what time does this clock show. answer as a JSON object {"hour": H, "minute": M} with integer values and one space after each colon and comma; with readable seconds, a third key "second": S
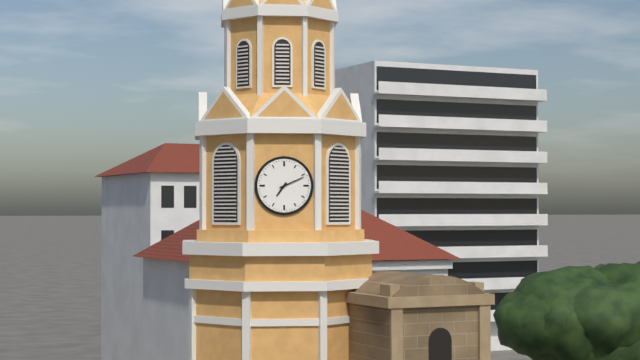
{"hour": 7, "minute": 11}
